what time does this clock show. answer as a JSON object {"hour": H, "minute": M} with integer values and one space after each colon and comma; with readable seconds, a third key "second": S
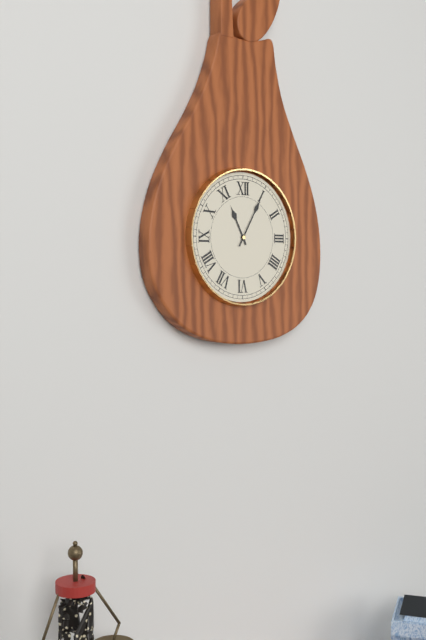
{"hour": 11, "minute": 5}
